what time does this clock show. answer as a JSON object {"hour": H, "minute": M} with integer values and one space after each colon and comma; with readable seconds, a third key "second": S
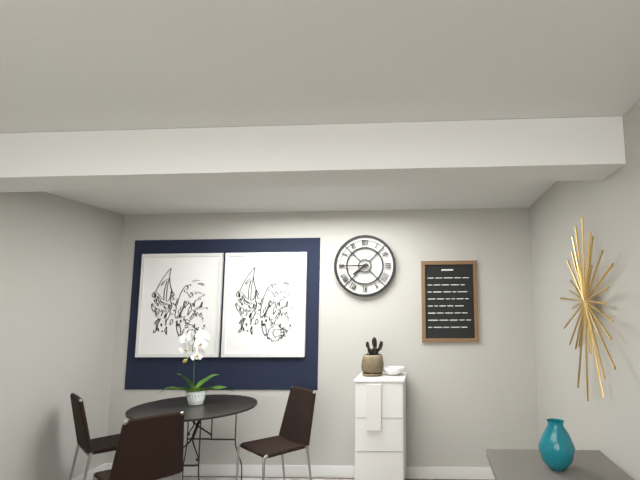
{"hour": 7, "minute": 45}
